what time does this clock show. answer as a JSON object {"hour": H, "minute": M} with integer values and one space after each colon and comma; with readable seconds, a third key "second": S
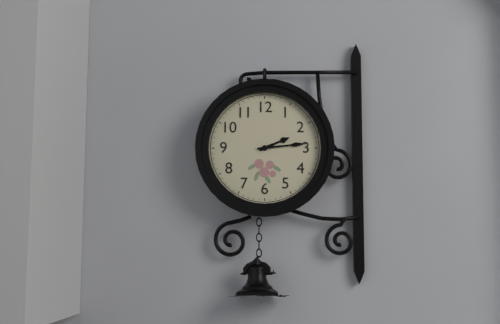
{"hour": 2, "minute": 14}
